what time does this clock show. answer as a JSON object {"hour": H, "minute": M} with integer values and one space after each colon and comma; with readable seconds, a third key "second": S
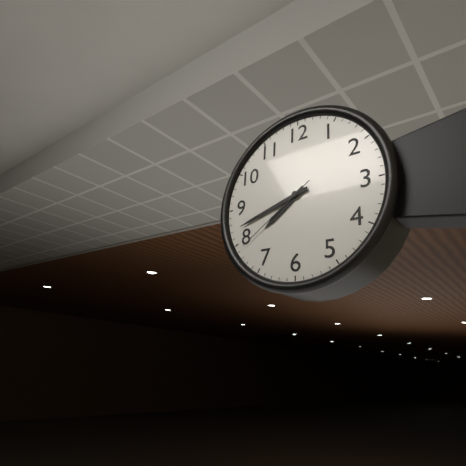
{"hour": 7, "minute": 42, "second": 39}
